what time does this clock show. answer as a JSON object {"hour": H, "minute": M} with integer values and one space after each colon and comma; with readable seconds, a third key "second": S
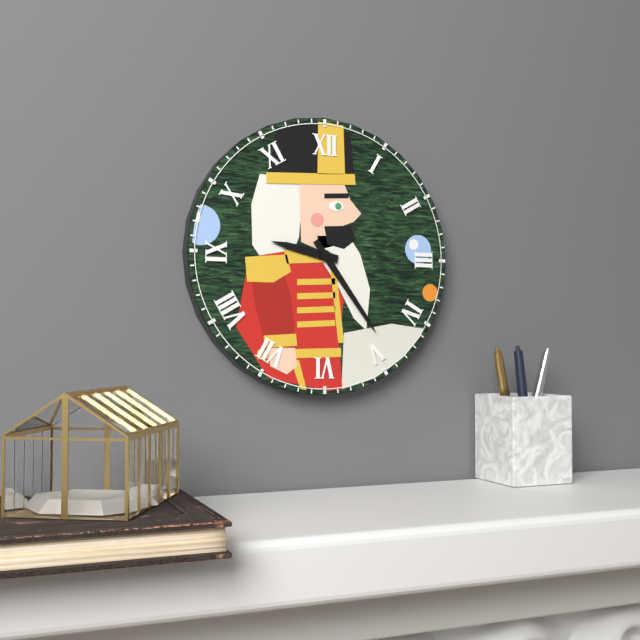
{"hour": 9, "minute": 24}
